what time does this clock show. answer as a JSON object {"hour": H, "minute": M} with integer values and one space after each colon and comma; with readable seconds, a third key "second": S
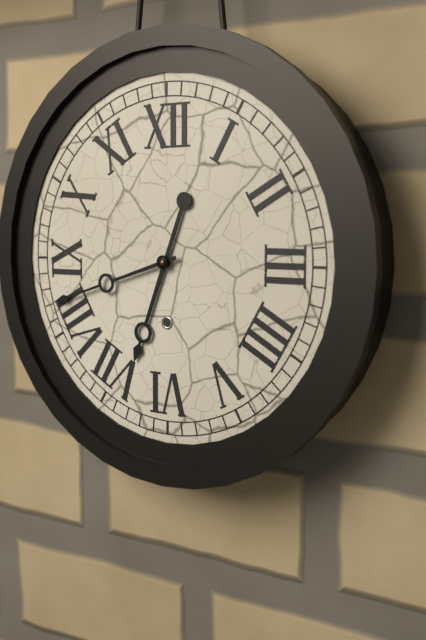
{"hour": 6, "minute": 42}
